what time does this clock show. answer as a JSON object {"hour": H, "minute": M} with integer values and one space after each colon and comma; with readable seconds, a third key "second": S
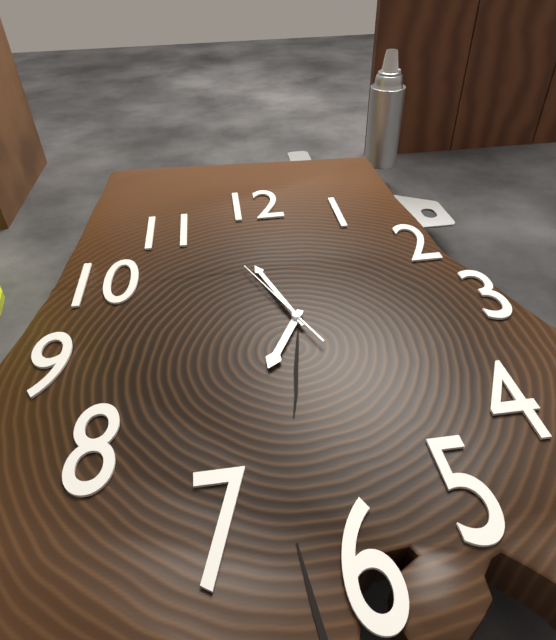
{"hour": 6, "minute": 57, "second": 56}
